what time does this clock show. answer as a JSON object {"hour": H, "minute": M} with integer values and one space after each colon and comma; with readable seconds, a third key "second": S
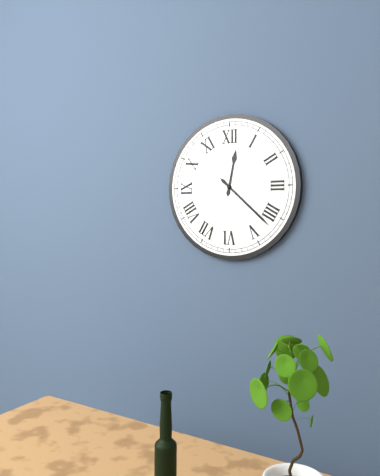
{"hour": 12, "minute": 22}
